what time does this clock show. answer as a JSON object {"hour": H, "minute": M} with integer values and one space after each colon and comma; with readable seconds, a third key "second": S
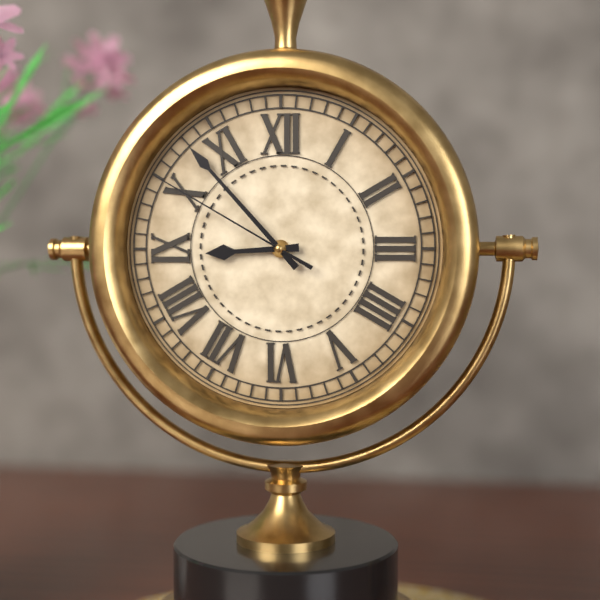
{"hour": 8, "minute": 53, "second": 50}
